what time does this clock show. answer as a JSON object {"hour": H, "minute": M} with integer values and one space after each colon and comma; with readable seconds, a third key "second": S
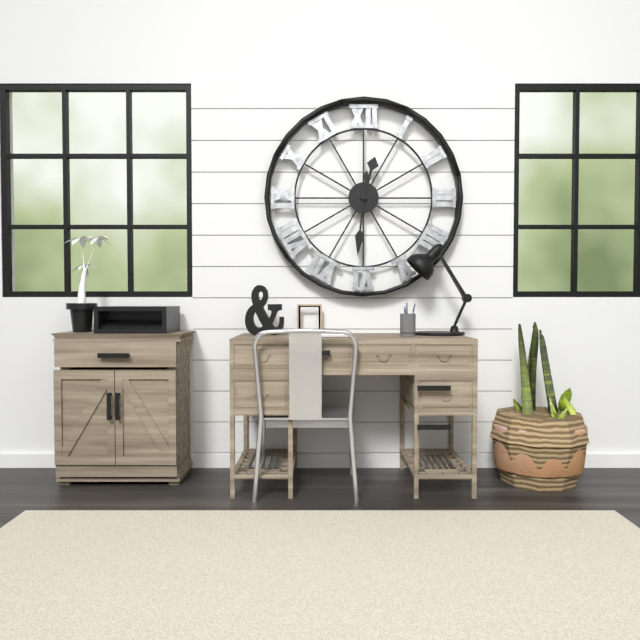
{"hour": 12, "minute": 31}
